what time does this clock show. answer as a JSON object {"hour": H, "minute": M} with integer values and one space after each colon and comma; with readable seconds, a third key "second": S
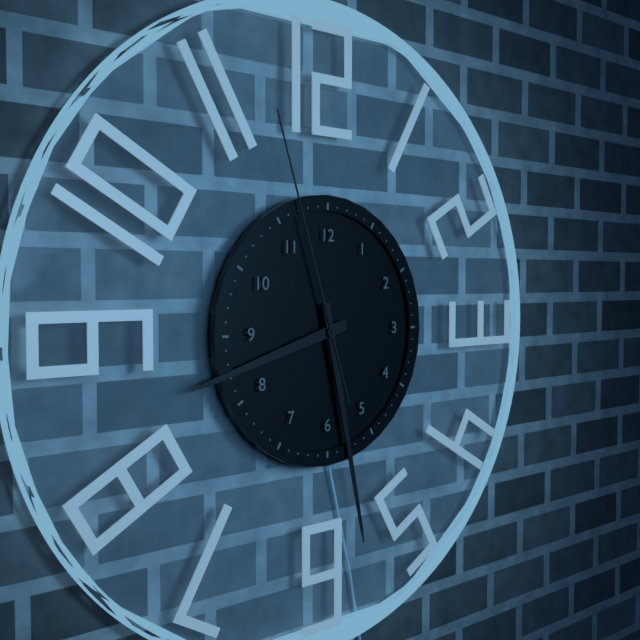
{"hour": 8, "minute": 28, "second": 57}
